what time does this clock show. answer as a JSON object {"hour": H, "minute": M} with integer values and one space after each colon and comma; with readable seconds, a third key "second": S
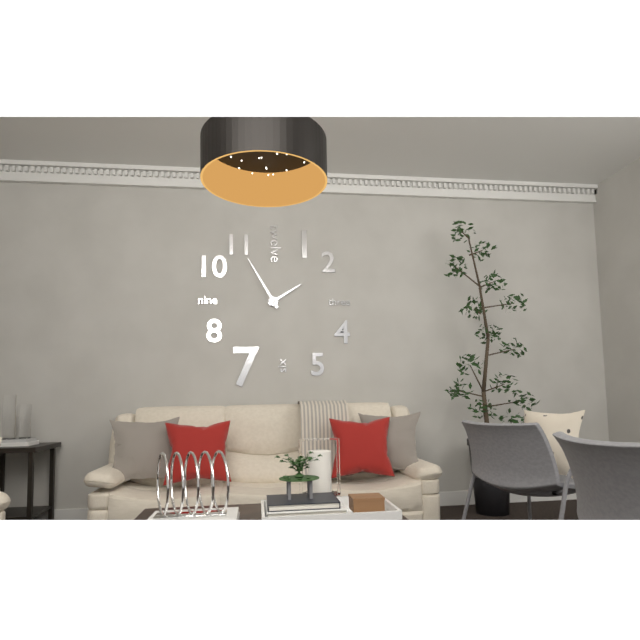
{"hour": 1, "minute": 55}
